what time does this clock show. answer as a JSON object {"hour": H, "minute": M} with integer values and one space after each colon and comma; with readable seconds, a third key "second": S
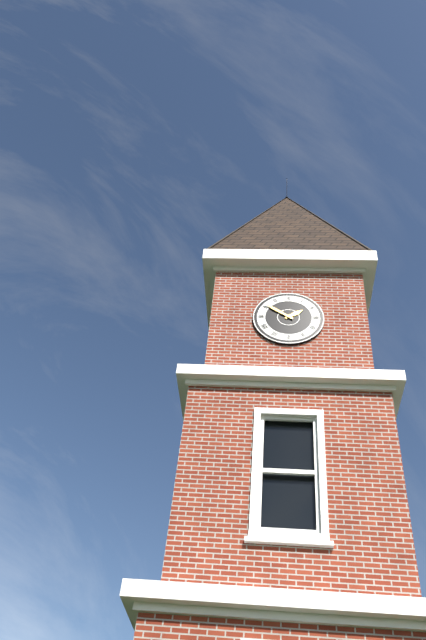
{"hour": 1, "minute": 51}
